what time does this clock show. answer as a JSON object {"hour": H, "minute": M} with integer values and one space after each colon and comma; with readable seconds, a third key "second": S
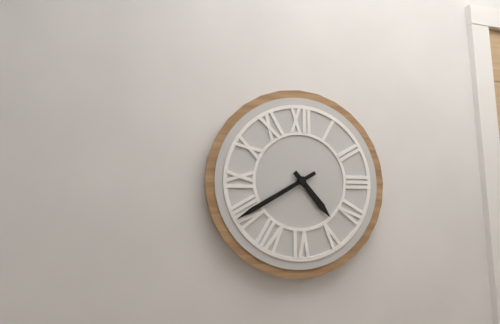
{"hour": 4, "minute": 40}
